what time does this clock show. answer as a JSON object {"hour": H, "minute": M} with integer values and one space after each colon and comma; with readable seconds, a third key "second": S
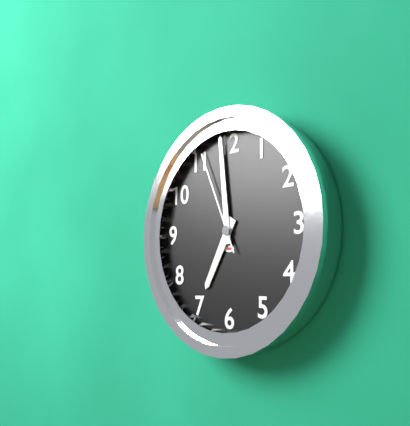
{"hour": 6, "minute": 59, "second": 56}
